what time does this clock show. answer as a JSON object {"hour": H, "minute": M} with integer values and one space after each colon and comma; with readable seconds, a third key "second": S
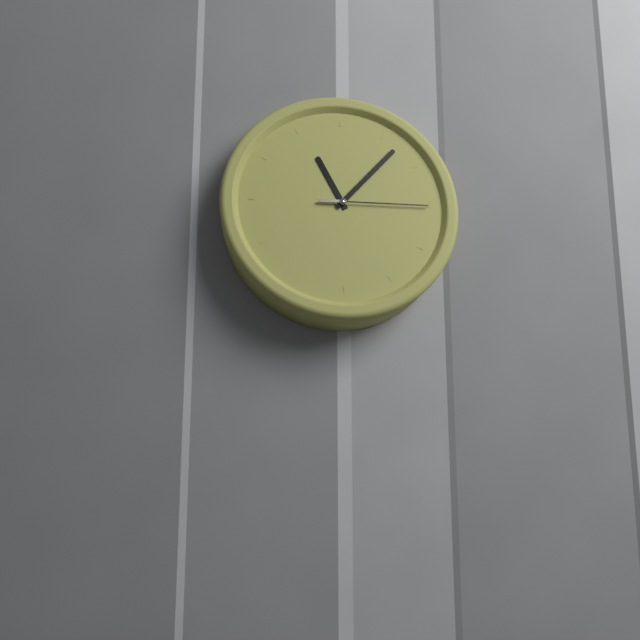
{"hour": 11, "minute": 7, "second": 15}
